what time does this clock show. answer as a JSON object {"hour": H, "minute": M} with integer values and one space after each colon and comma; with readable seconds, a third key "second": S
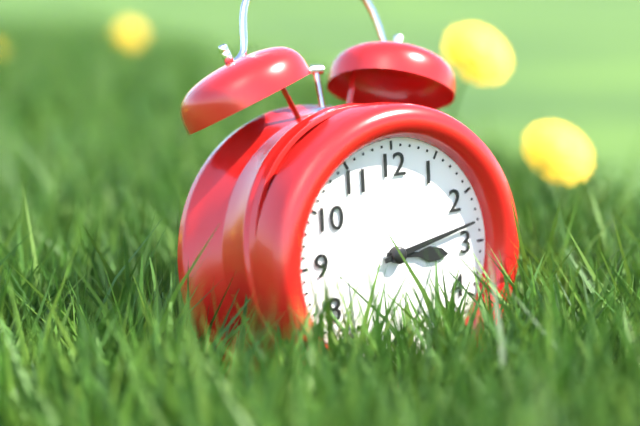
{"hour": 3, "minute": 13}
